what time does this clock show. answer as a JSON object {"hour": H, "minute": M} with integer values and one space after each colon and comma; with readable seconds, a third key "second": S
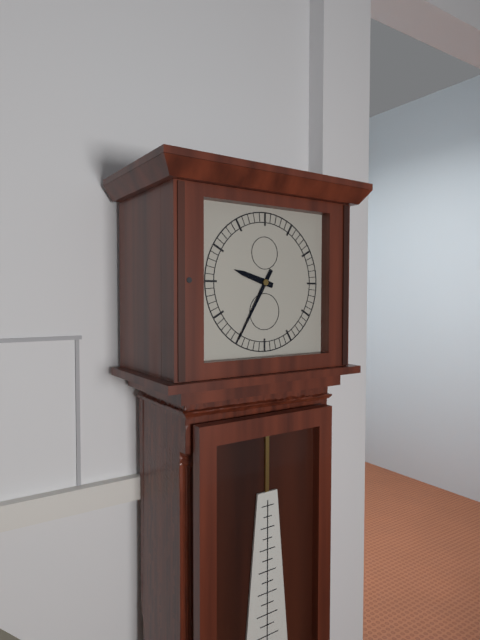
{"hour": 9, "minute": 35}
